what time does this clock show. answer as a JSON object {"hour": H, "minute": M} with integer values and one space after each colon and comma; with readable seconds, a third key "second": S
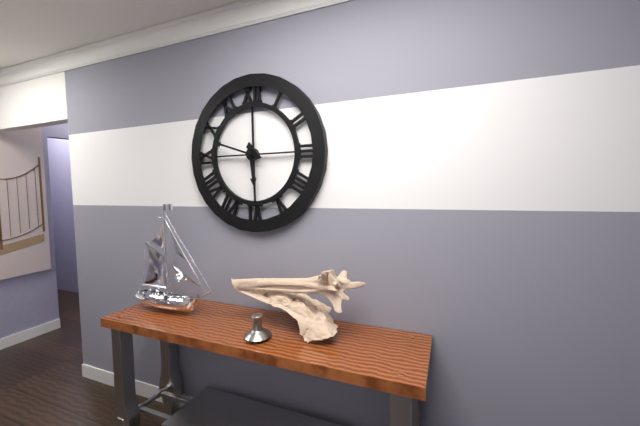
{"hour": 5, "minute": 48}
